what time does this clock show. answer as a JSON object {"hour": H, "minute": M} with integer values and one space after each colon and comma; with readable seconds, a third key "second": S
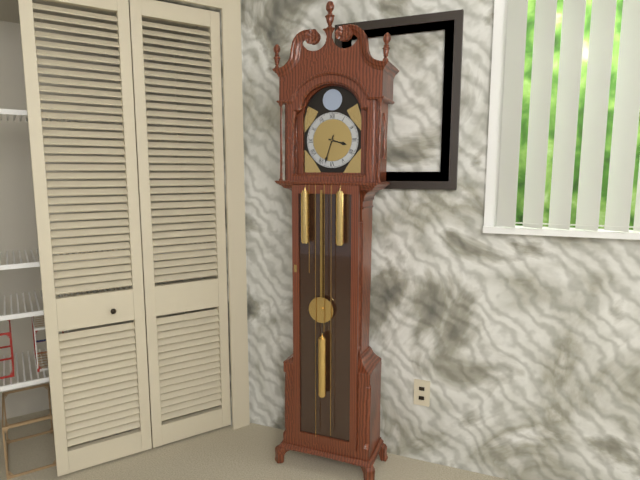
{"hour": 3, "minute": 33}
